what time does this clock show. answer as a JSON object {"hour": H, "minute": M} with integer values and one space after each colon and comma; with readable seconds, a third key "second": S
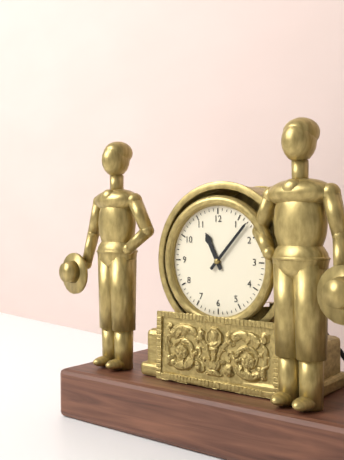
{"hour": 11, "minute": 7}
